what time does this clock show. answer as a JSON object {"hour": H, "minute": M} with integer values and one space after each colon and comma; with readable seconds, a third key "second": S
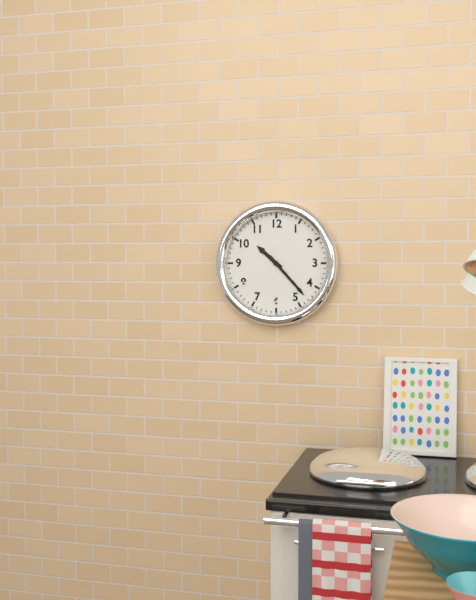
{"hour": 10, "minute": 23}
